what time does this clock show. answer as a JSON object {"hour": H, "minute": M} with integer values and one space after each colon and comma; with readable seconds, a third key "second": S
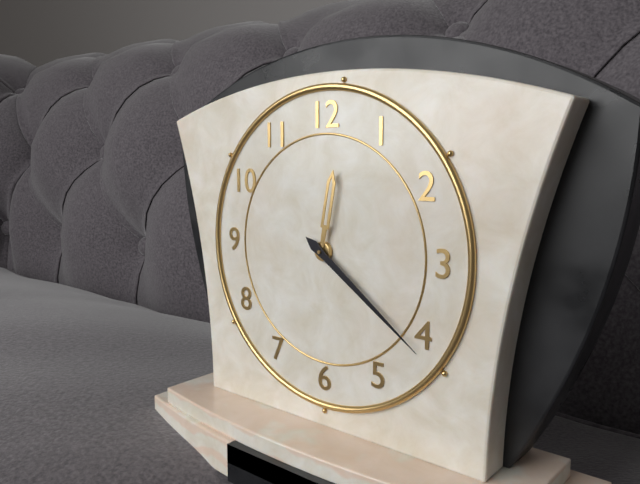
{"hour": 12, "minute": 21}
